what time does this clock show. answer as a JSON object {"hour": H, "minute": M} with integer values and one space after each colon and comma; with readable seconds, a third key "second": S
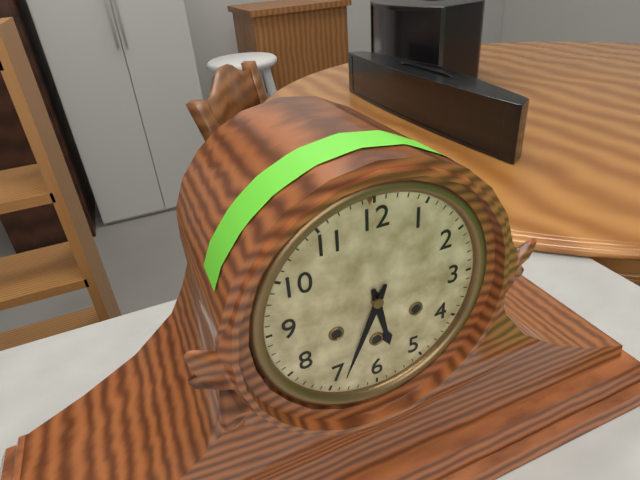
{"hour": 5, "minute": 34}
